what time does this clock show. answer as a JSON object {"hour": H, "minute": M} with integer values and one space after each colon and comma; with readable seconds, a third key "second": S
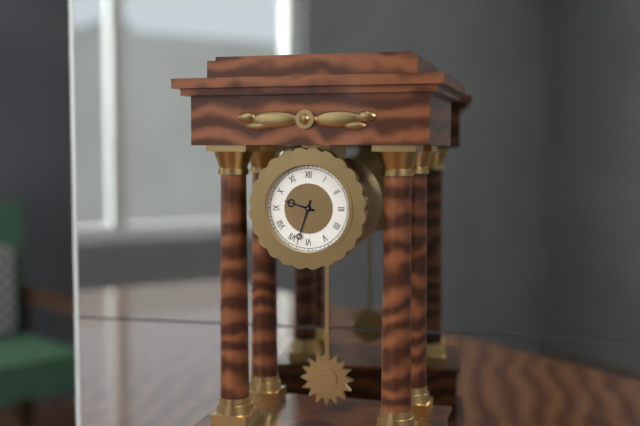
{"hour": 9, "minute": 33}
